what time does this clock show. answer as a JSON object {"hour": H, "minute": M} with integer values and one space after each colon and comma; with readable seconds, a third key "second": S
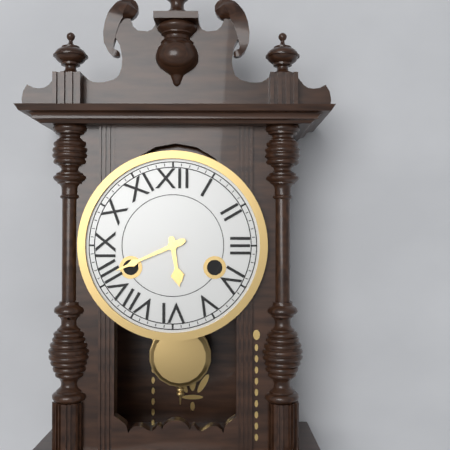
{"hour": 5, "minute": 41}
